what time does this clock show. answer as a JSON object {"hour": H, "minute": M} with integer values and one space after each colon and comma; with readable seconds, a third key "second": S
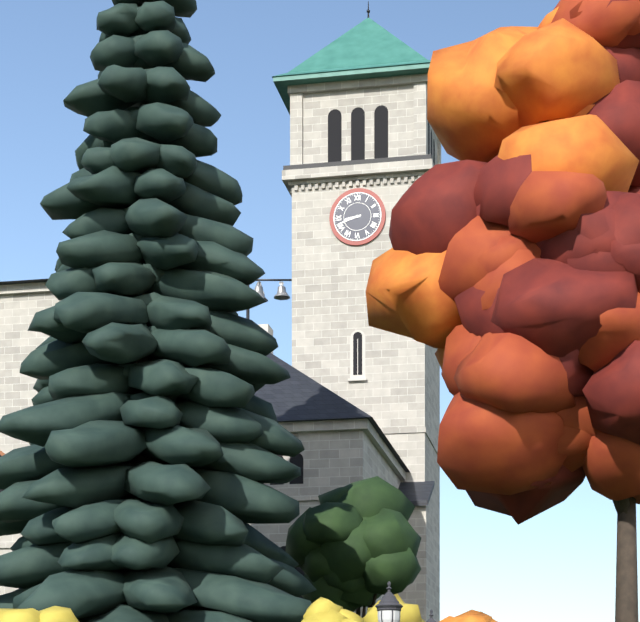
{"hour": 8, "minute": 42}
